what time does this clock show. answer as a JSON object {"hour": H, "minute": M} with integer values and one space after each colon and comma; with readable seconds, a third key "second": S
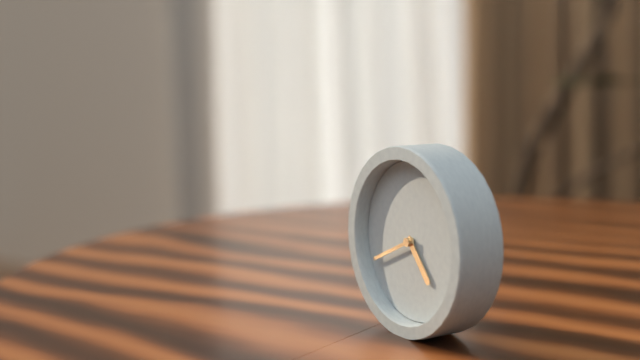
{"hour": 4, "minute": 41}
